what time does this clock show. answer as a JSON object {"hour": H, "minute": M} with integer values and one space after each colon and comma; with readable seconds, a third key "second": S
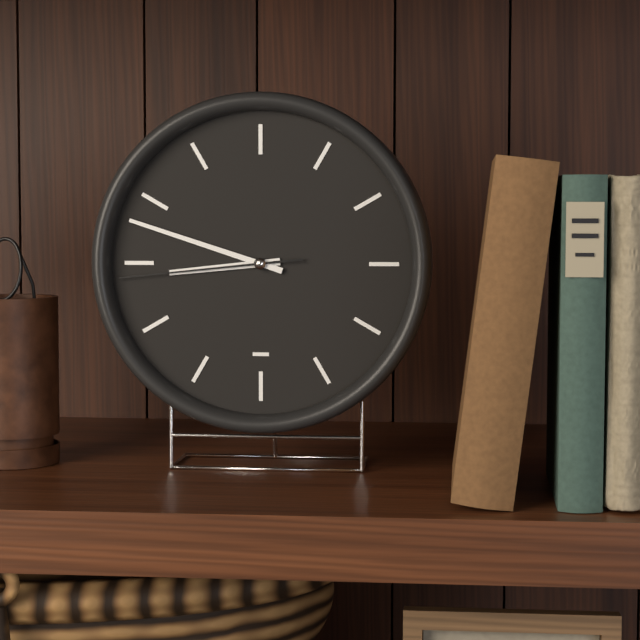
{"hour": 8, "minute": 48, "second": 44}
